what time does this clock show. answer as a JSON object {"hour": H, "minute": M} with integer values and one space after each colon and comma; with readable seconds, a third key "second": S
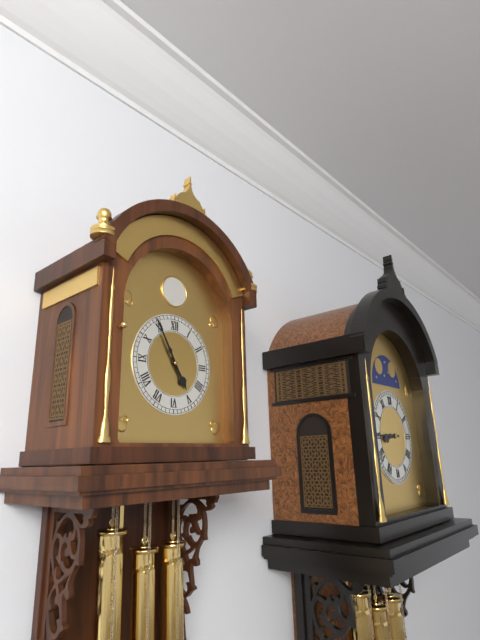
{"hour": 4, "minute": 55}
